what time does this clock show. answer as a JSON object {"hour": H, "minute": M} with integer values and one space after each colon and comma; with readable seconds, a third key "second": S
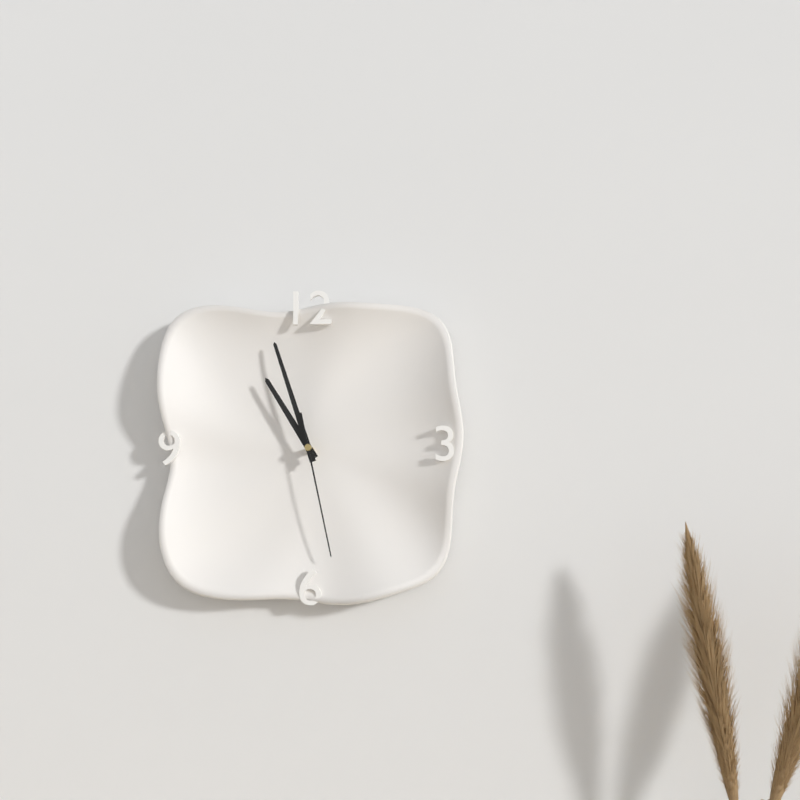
{"hour": 10, "minute": 57, "second": 28}
